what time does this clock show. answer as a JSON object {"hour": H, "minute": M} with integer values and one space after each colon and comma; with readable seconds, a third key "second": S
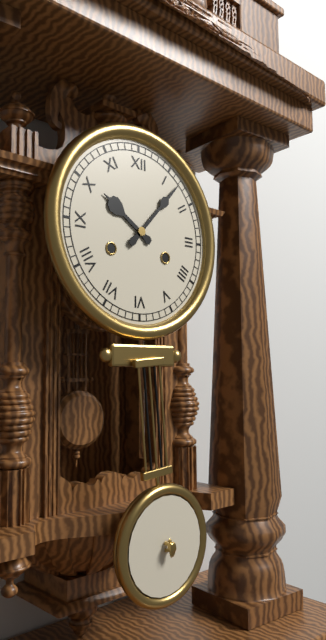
{"hour": 10, "minute": 7}
